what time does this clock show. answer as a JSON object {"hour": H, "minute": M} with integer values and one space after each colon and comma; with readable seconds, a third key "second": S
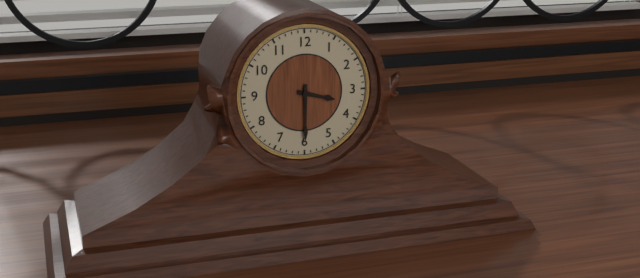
{"hour": 3, "minute": 30}
